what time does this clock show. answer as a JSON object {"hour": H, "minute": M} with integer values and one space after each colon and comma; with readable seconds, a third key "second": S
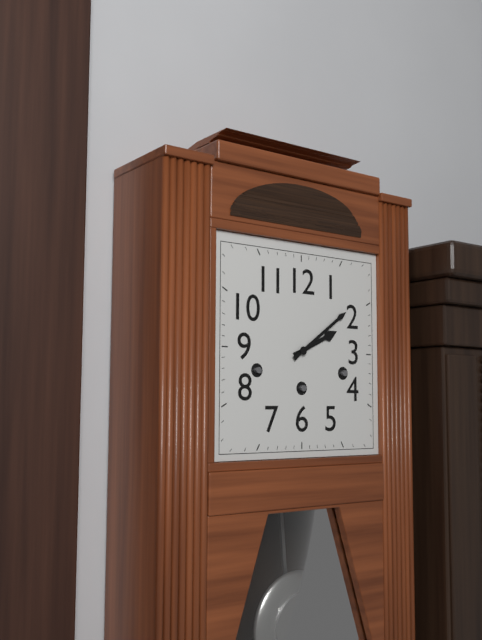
{"hour": 2, "minute": 9}
